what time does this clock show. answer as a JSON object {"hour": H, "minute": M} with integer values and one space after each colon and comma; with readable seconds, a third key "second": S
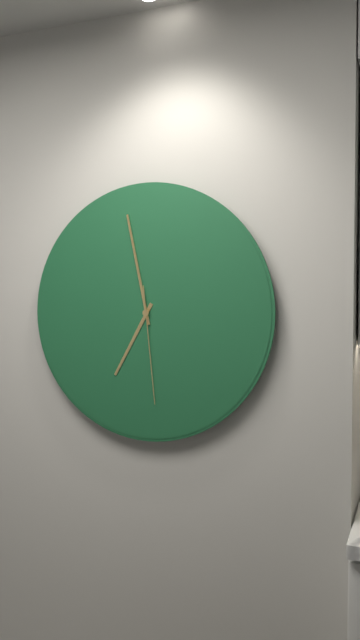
{"hour": 6, "minute": 58, "second": 29}
